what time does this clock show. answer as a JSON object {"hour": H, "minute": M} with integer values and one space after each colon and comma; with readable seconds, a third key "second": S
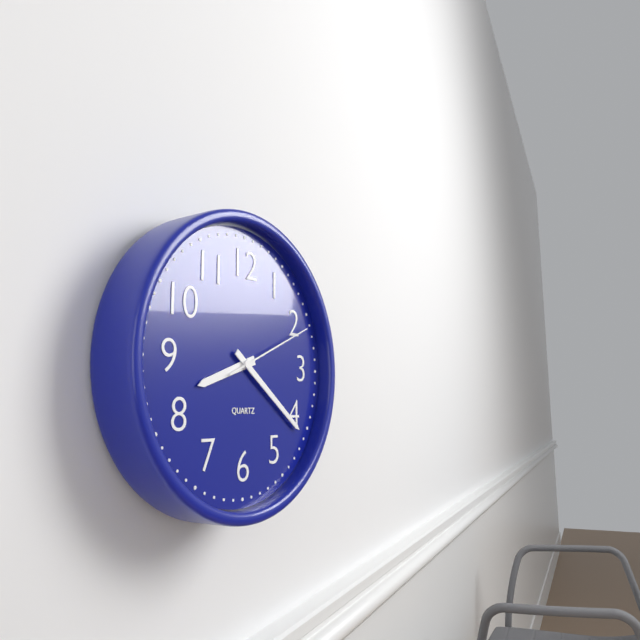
{"hour": 8, "minute": 21, "second": 11}
